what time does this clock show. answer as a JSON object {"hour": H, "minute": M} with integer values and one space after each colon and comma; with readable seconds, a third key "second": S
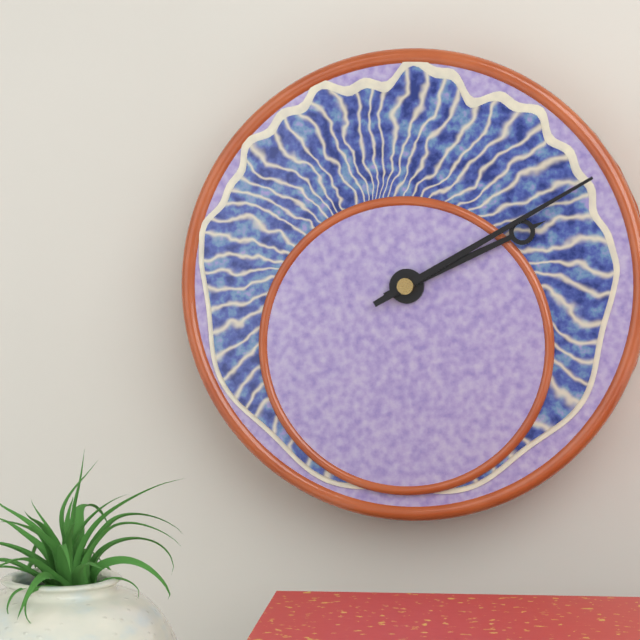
{"hour": 2, "minute": 10}
